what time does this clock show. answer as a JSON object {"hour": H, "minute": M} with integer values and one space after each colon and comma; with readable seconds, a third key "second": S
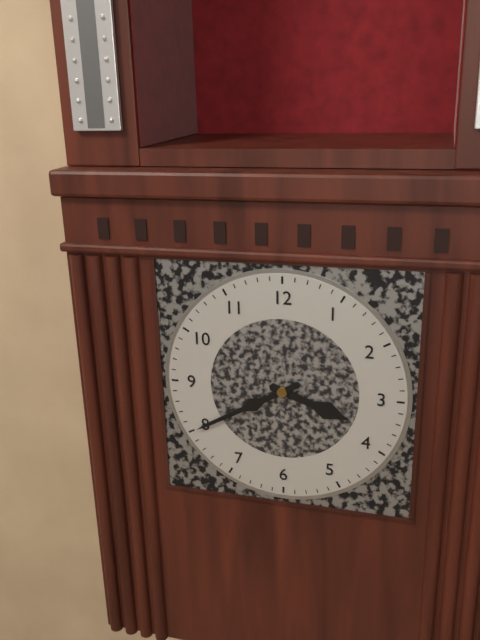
{"hour": 3, "minute": 40}
